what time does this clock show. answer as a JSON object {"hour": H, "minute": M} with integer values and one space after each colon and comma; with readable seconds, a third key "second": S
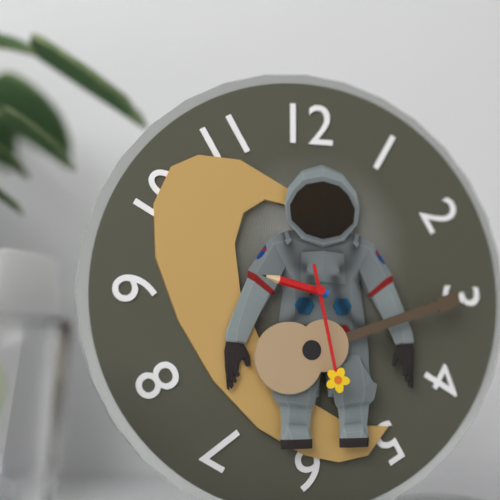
{"hour": 9, "minute": 28}
